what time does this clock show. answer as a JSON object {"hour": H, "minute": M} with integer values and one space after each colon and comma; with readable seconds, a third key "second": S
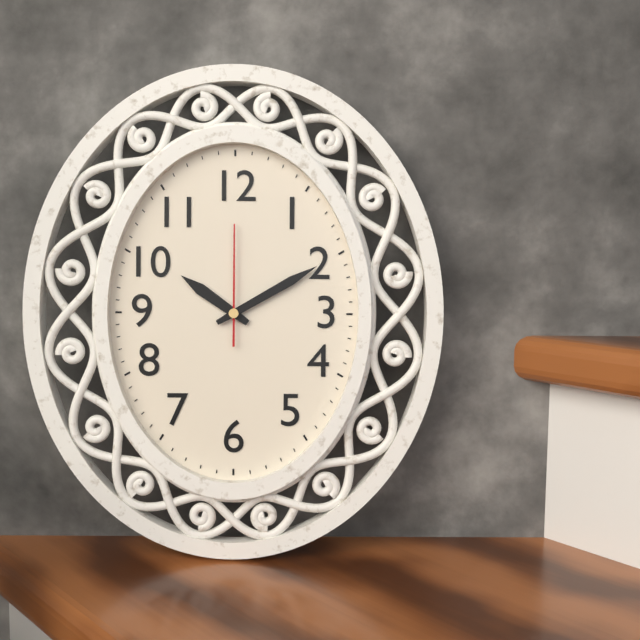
{"hour": 10, "minute": 10, "second": 0}
